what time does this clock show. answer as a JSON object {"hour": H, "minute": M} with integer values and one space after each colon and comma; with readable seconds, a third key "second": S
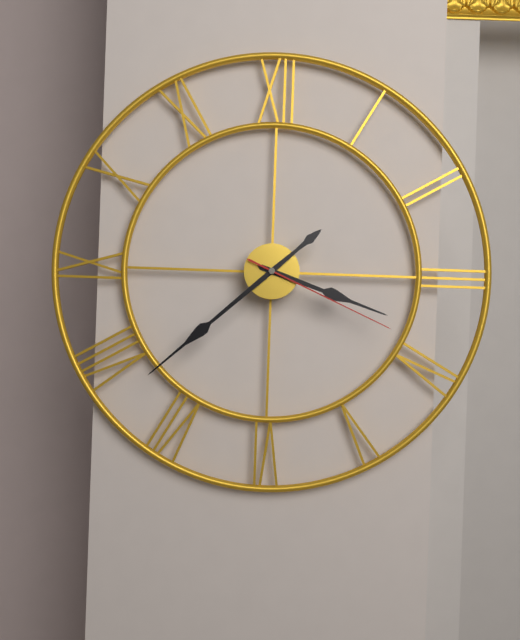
{"hour": 3, "minute": 38, "second": 19}
